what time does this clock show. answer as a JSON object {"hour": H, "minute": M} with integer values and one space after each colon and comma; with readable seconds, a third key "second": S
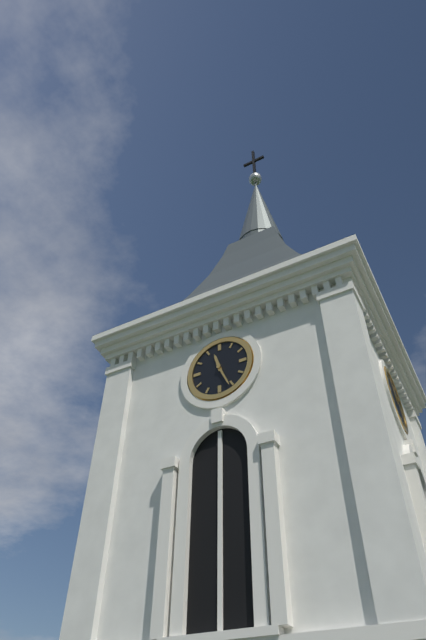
{"hour": 11, "minute": 26}
